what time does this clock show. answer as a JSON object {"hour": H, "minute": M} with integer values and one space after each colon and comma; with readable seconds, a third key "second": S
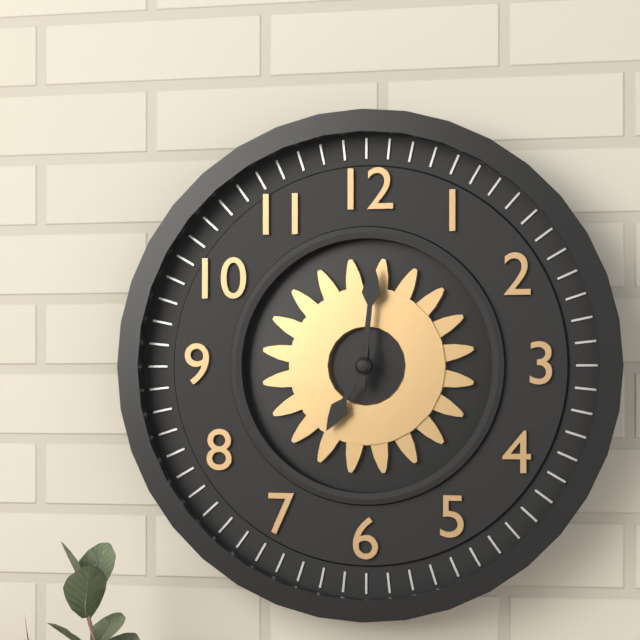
{"hour": 7, "minute": 1}
